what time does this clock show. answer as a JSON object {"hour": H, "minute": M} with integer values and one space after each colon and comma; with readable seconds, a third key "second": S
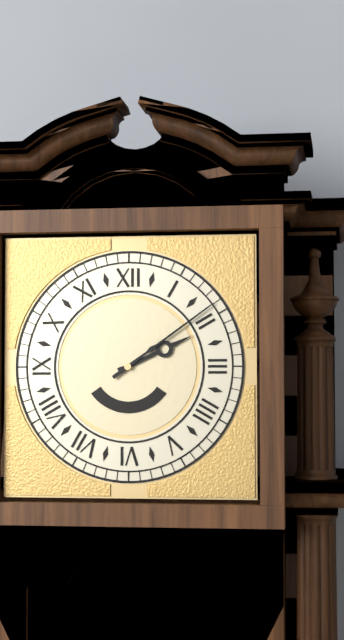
{"hour": 2, "minute": 9}
